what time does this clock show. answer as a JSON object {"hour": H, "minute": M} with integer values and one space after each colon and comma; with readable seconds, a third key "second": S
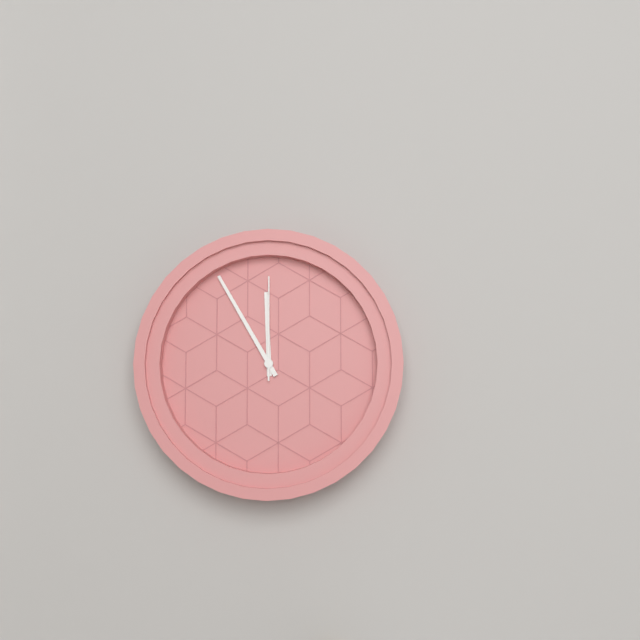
{"hour": 11, "minute": 55, "second": 0}
